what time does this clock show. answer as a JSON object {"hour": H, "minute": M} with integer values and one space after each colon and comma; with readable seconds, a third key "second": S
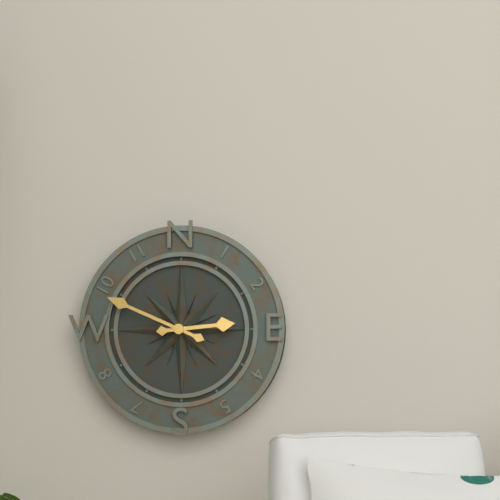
{"hour": 2, "minute": 49}
